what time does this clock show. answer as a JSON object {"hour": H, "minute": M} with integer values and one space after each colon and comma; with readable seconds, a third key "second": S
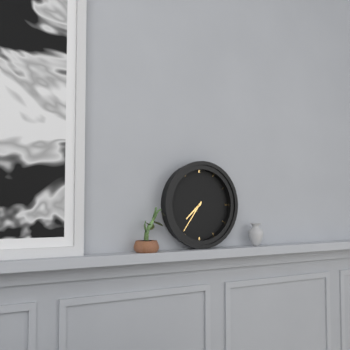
{"hour": 7, "minute": 36}
